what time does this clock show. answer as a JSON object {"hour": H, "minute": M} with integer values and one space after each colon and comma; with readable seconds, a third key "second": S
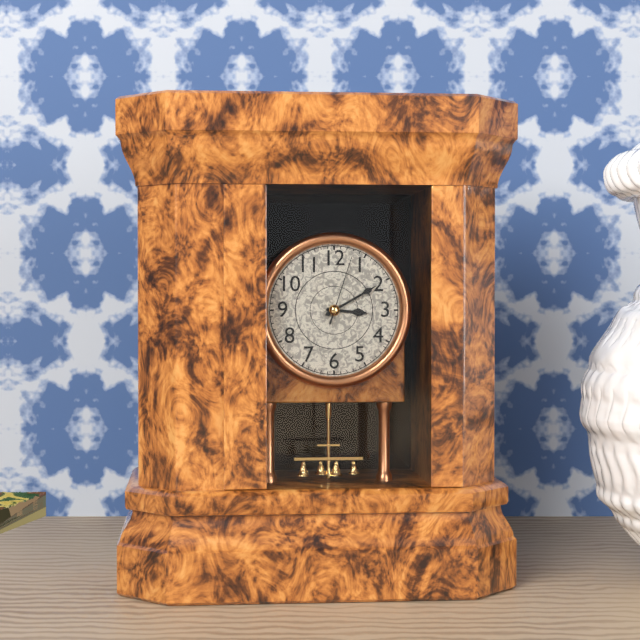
{"hour": 3, "minute": 10, "second": 3}
